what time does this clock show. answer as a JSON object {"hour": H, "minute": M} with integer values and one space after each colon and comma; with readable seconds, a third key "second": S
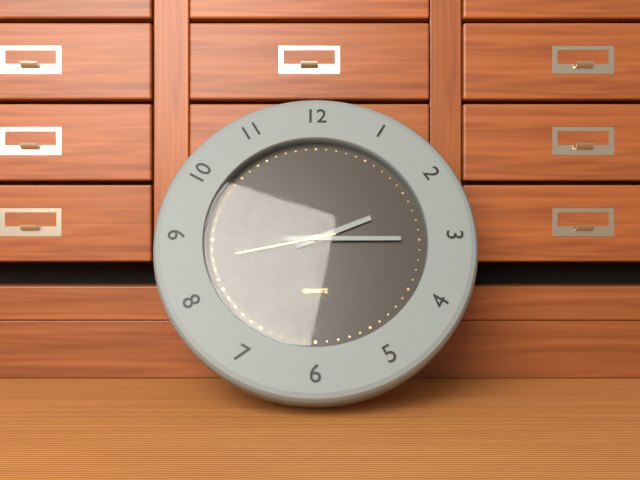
{"hour": 2, "minute": 15, "second": 43}
